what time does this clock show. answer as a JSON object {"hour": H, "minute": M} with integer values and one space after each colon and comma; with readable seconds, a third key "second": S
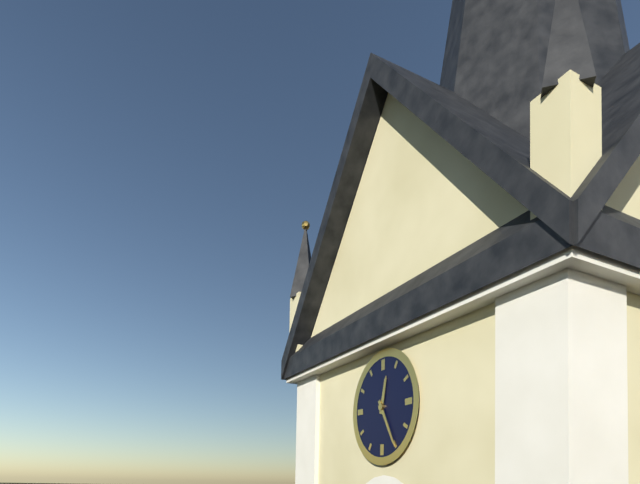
{"hour": 12, "minute": 25}
